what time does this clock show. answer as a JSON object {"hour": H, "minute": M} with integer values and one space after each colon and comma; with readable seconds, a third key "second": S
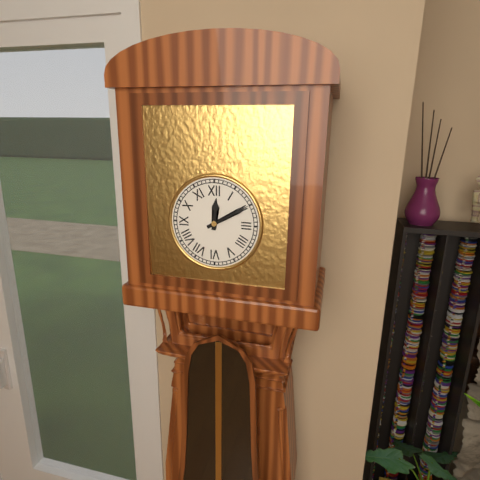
{"hour": 12, "minute": 10}
